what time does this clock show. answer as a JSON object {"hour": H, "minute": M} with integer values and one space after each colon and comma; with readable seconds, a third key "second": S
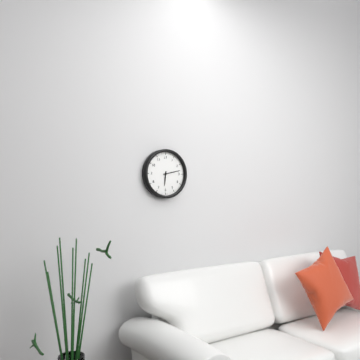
{"hour": 6, "minute": 13}
